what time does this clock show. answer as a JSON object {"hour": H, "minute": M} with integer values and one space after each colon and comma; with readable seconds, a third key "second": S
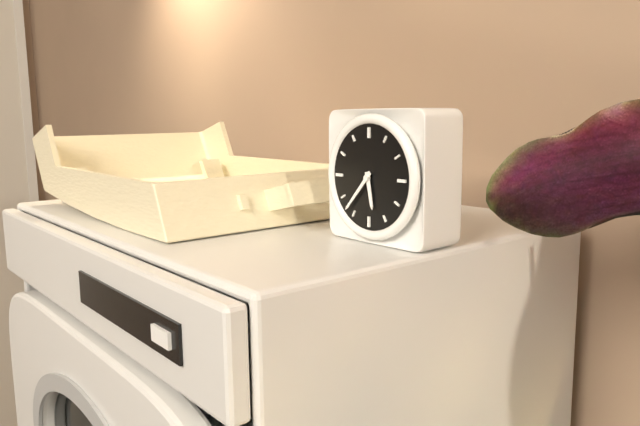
{"hour": 5, "minute": 37}
